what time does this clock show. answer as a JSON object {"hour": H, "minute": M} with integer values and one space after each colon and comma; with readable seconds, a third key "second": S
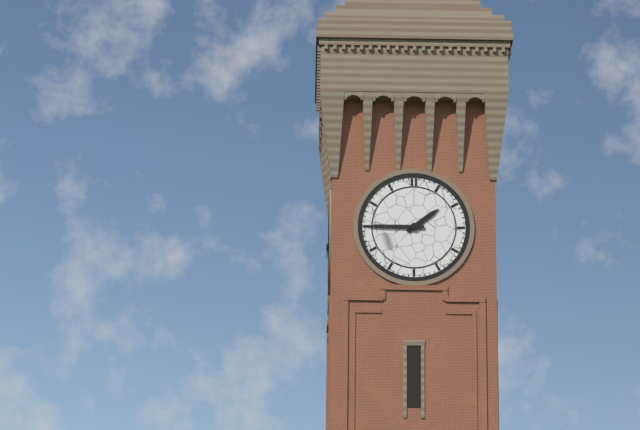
{"hour": 1, "minute": 45}
